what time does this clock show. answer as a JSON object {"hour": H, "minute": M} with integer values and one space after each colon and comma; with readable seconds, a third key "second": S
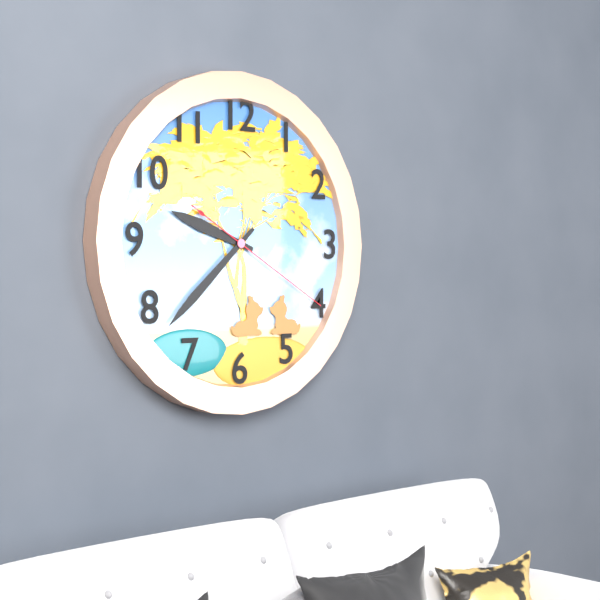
{"hour": 9, "minute": 38, "second": 20}
